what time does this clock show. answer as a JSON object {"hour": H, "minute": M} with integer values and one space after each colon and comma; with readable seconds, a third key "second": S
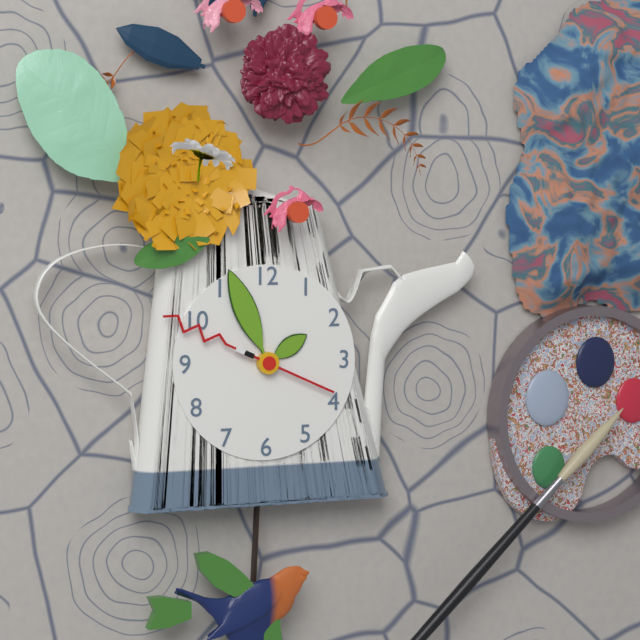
{"hour": 1, "minute": 56, "second": 49}
